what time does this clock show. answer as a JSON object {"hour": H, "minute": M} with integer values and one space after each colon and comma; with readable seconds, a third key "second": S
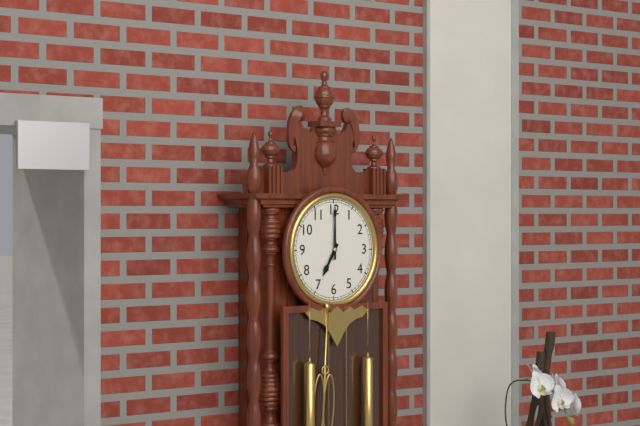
{"hour": 7, "minute": 0}
